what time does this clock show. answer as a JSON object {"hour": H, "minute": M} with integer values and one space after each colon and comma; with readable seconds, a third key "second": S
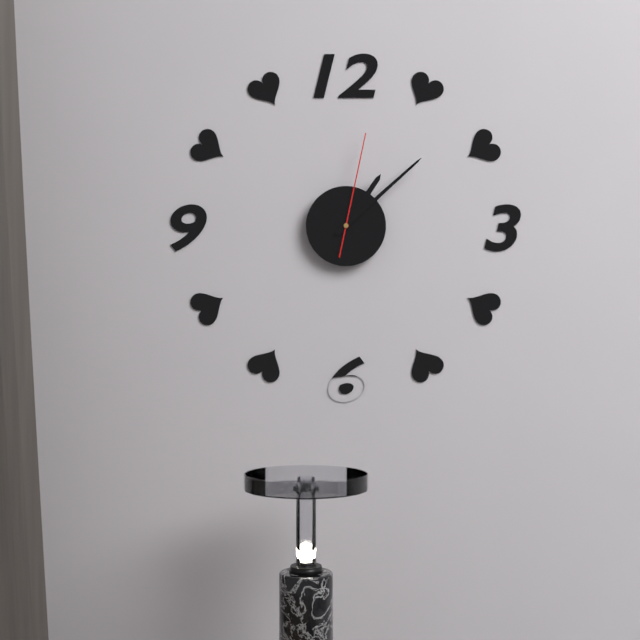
{"hour": 1, "minute": 8, "second": 2}
